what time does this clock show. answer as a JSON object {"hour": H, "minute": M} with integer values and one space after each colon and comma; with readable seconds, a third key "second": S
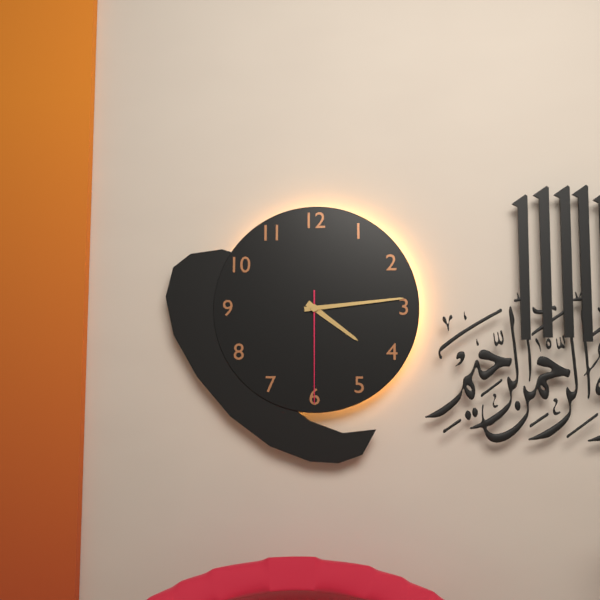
{"hour": 4, "minute": 14, "second": 30}
